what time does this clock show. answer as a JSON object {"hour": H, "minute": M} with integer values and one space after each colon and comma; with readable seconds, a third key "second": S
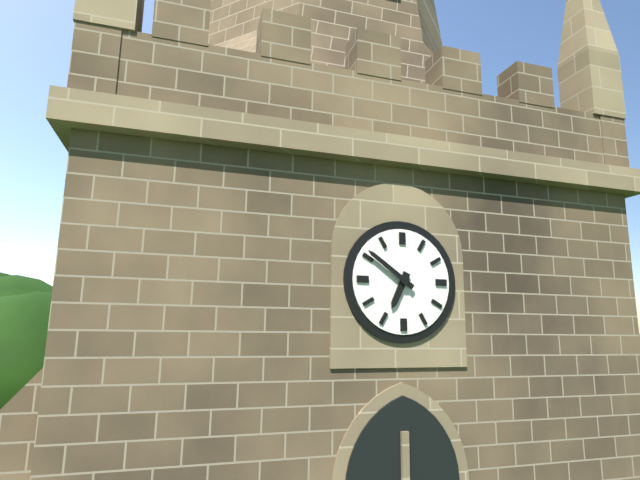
{"hour": 6, "minute": 51}
